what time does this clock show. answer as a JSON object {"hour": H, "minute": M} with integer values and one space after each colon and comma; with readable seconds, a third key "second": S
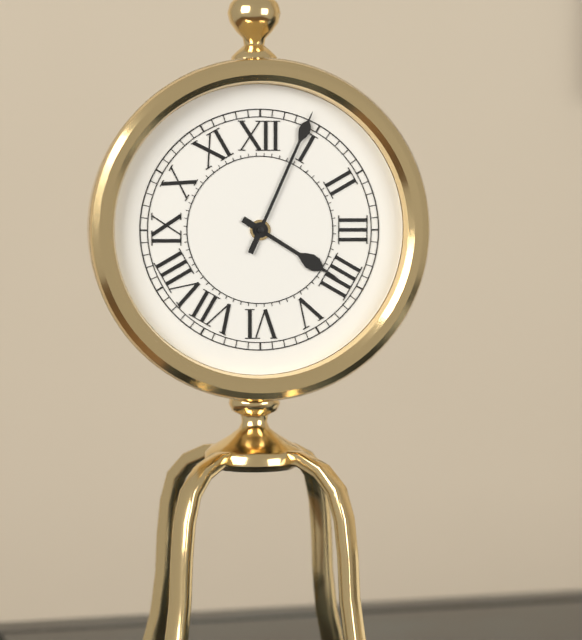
{"hour": 4, "minute": 4}
